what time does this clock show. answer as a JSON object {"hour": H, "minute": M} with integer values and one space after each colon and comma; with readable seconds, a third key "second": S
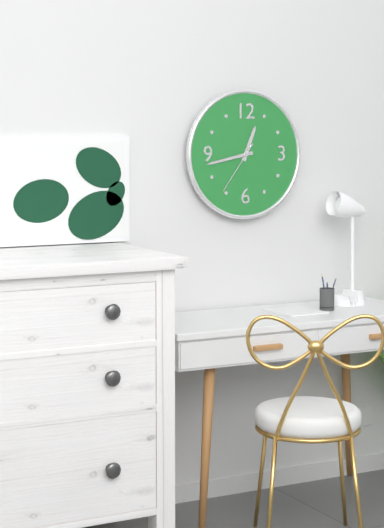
{"hour": 12, "minute": 43, "second": 36}
